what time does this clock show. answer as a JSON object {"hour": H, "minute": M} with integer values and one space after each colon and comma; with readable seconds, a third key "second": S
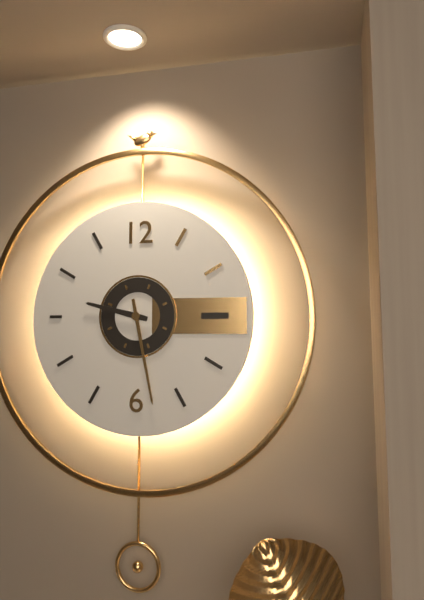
{"hour": 9, "minute": 28}
